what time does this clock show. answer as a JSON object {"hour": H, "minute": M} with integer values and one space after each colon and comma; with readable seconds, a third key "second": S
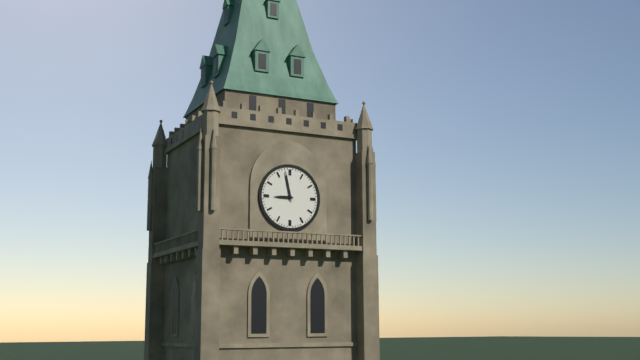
{"hour": 8, "minute": 58}
